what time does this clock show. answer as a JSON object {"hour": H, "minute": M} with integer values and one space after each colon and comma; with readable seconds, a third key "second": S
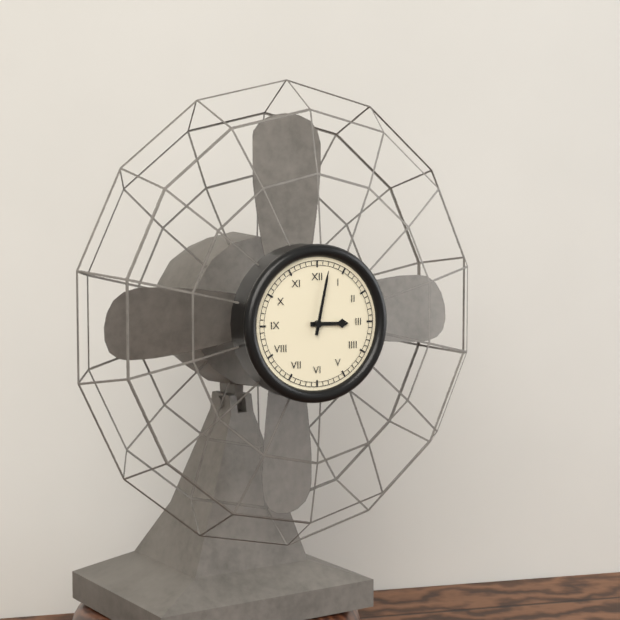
{"hour": 3, "minute": 2}
